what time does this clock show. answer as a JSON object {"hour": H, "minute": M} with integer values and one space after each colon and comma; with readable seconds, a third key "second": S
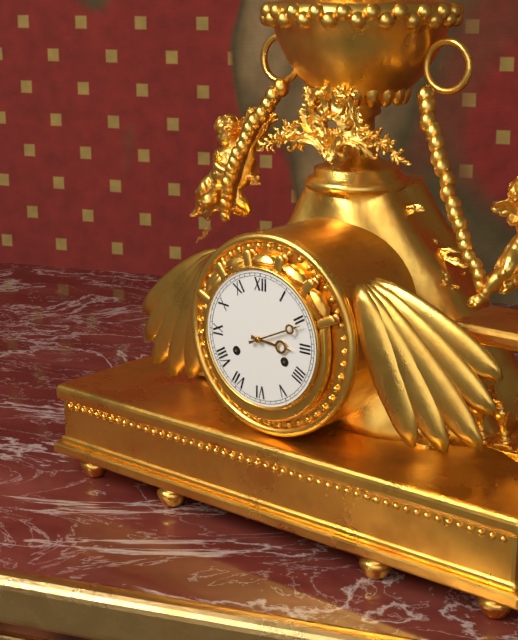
{"hour": 3, "minute": 11}
